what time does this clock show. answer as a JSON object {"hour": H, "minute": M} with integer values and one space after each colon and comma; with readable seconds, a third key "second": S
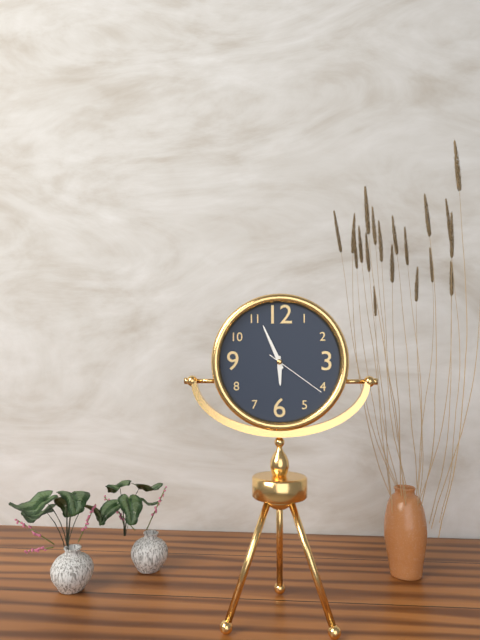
{"hour": 5, "minute": 56, "second": 21}
